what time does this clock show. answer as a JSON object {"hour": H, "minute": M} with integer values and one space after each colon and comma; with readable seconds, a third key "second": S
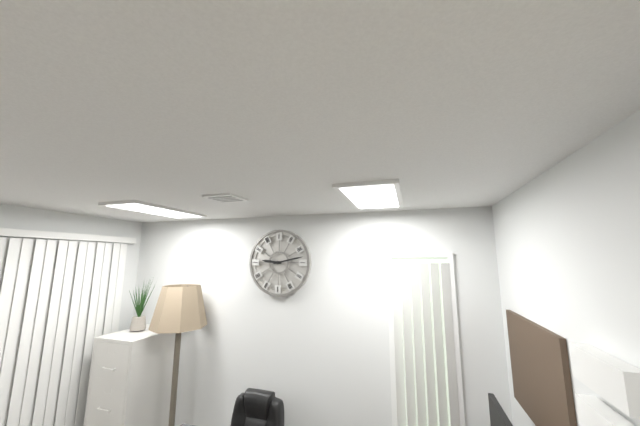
{"hour": 9, "minute": 13}
